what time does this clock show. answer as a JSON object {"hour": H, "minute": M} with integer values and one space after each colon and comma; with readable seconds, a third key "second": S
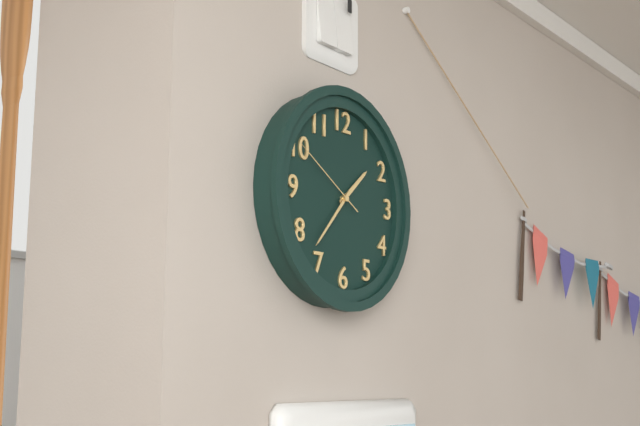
{"hour": 1, "minute": 37, "second": 50}
